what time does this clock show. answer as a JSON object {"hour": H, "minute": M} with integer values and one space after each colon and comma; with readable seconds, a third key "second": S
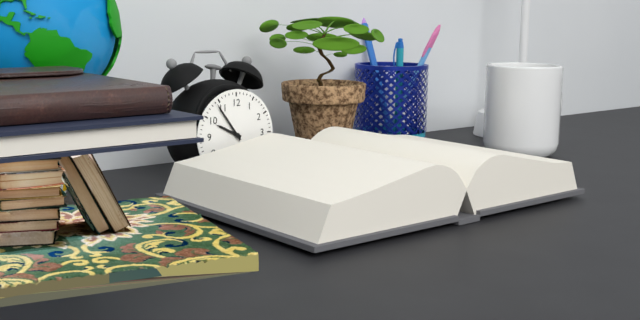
{"hour": 9, "minute": 54}
